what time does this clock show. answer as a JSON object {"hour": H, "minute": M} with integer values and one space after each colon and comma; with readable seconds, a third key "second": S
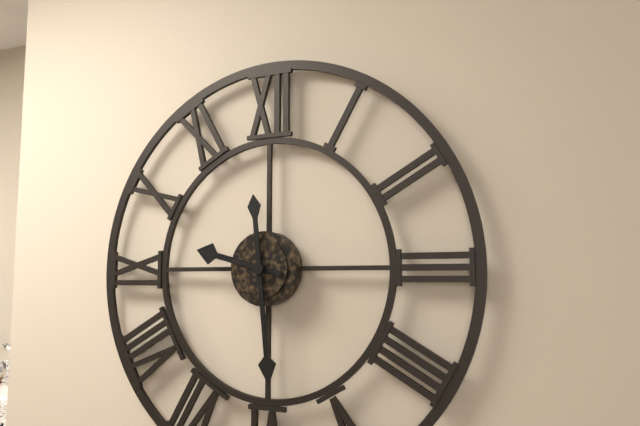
{"hour": 9, "minute": 29}
